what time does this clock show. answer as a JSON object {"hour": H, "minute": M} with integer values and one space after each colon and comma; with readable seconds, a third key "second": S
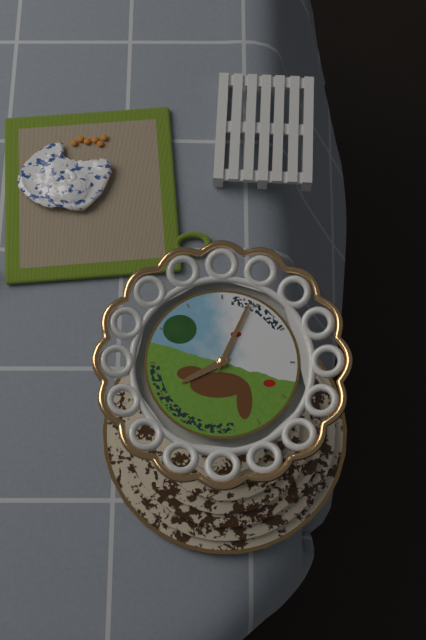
{"hour": 8, "minute": 4}
